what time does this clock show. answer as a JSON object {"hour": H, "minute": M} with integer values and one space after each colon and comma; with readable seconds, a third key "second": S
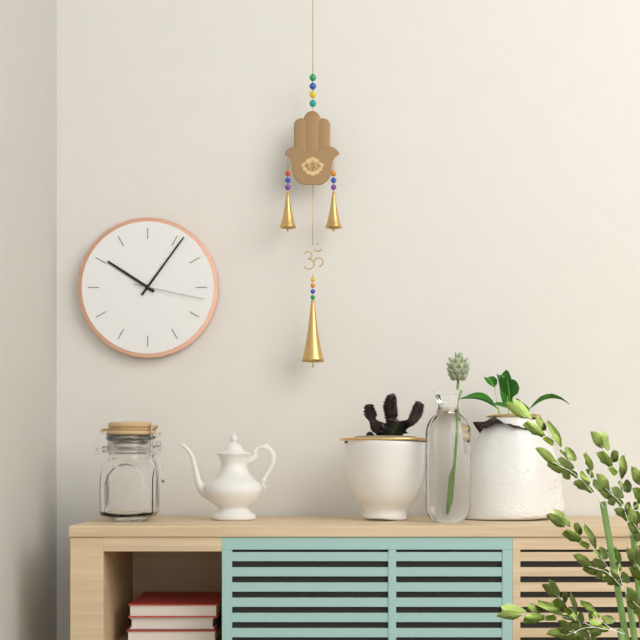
{"hour": 10, "minute": 6, "second": 17}
